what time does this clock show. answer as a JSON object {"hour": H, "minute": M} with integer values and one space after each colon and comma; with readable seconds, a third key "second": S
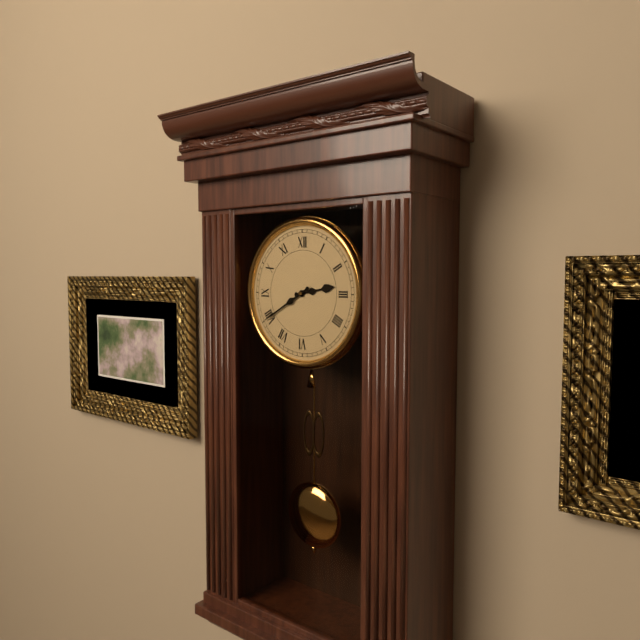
{"hour": 2, "minute": 40}
